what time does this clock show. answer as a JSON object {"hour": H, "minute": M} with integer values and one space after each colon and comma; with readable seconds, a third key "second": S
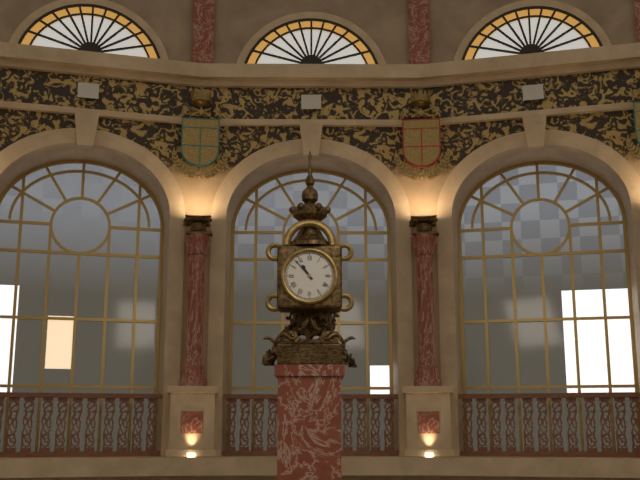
{"hour": 10, "minute": 53}
